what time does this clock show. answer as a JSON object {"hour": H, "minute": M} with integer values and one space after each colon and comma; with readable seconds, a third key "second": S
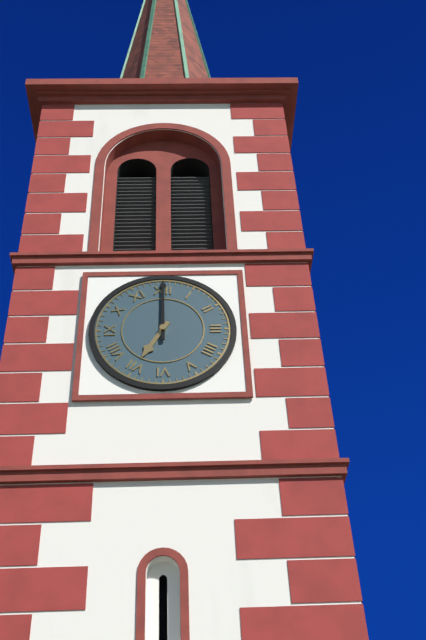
{"hour": 7, "minute": 0}
